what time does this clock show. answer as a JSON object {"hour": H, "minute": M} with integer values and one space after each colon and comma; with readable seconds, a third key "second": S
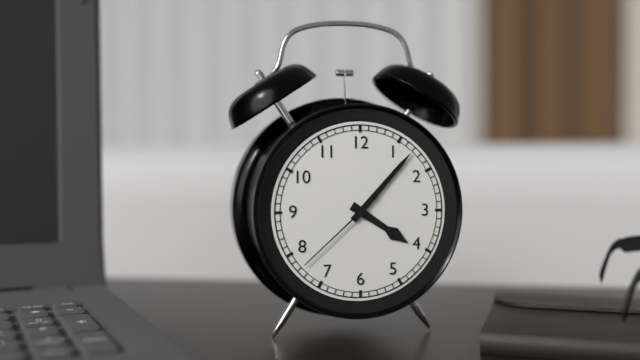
{"hour": 4, "minute": 7, "second": 38}
